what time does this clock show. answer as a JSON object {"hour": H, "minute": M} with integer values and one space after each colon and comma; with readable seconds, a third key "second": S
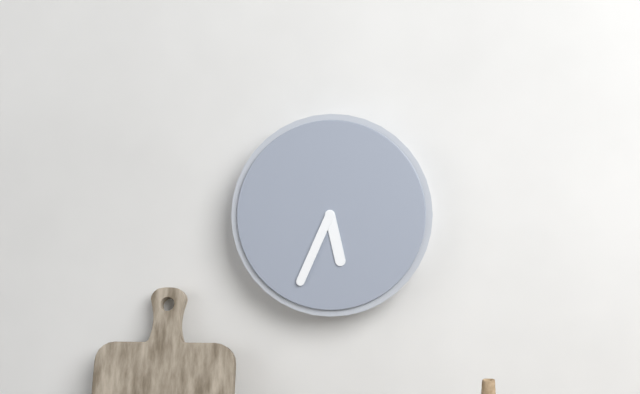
{"hour": 5, "minute": 34}
